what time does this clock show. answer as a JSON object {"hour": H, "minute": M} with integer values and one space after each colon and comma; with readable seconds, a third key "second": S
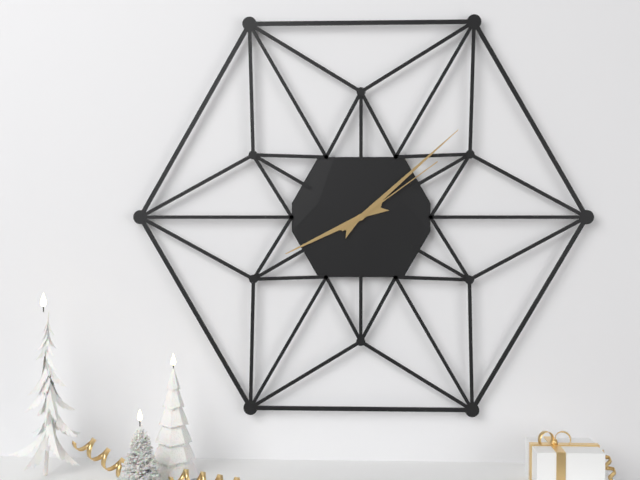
{"hour": 8, "minute": 8, "second": 9}
